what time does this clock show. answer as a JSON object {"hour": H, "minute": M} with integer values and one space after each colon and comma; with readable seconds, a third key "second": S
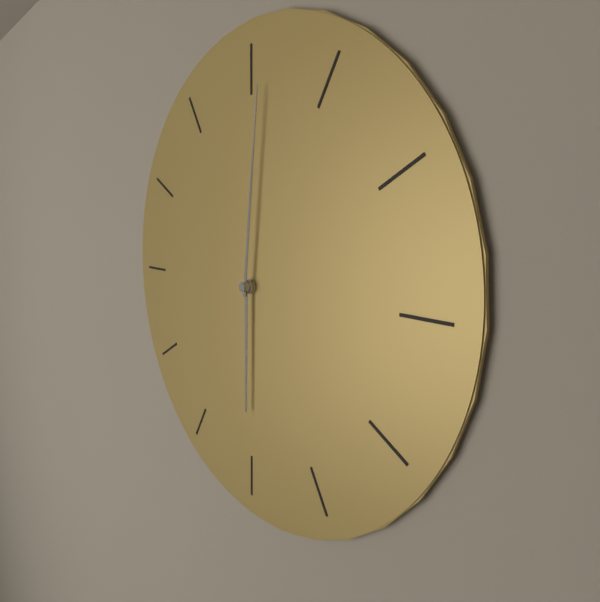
{"hour": 6, "minute": 1}
